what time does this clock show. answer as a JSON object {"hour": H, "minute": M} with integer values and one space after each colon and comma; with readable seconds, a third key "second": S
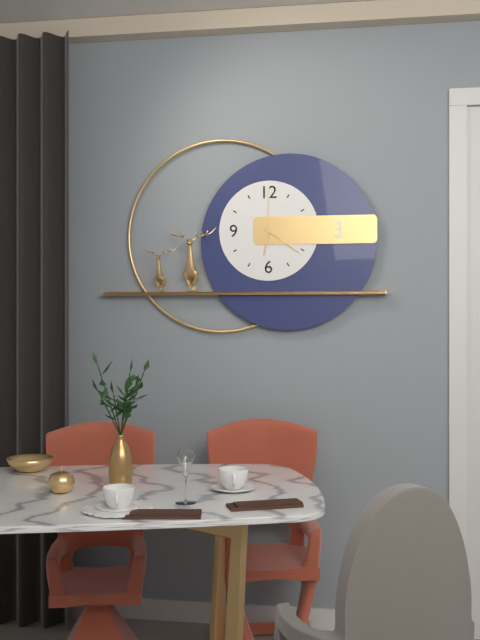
{"hour": 6, "minute": 21, "second": 0}
